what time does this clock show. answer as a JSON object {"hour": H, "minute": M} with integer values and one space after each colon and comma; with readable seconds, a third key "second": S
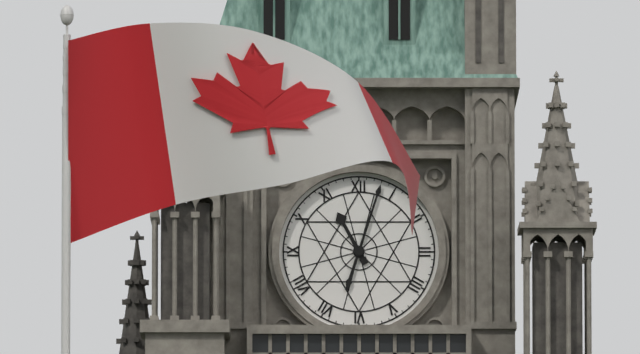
{"hour": 11, "minute": 3}
